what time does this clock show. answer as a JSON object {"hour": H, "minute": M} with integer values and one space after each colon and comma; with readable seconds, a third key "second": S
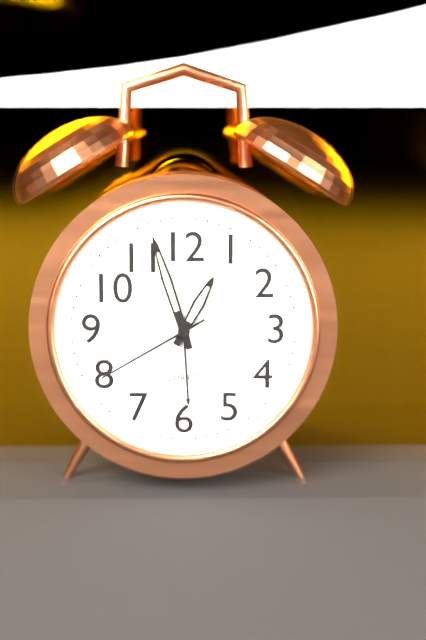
{"hour": 12, "minute": 57, "second": 40}
